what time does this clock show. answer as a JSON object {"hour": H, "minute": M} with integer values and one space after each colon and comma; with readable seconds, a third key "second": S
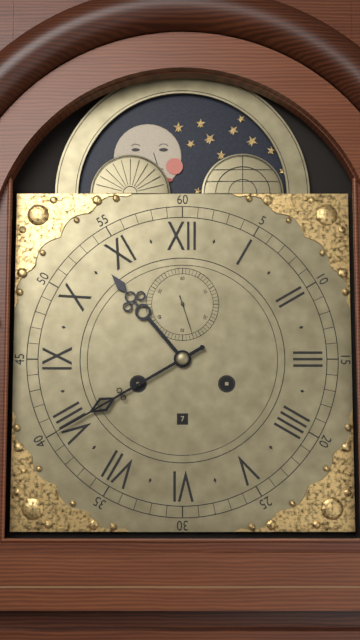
{"hour": 10, "minute": 40}
